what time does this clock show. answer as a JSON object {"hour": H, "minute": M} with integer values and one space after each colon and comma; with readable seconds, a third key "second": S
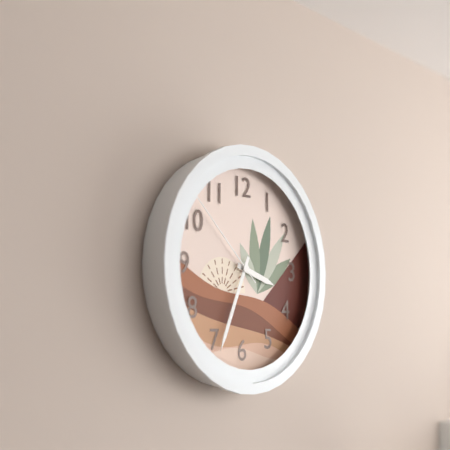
{"hour": 3, "minute": 34, "second": 52}
